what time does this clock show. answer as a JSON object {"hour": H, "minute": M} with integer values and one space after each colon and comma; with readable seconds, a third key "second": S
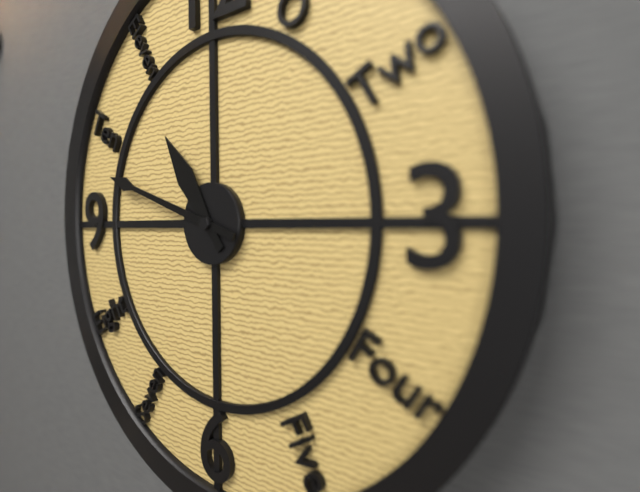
{"hour": 10, "minute": 48}
